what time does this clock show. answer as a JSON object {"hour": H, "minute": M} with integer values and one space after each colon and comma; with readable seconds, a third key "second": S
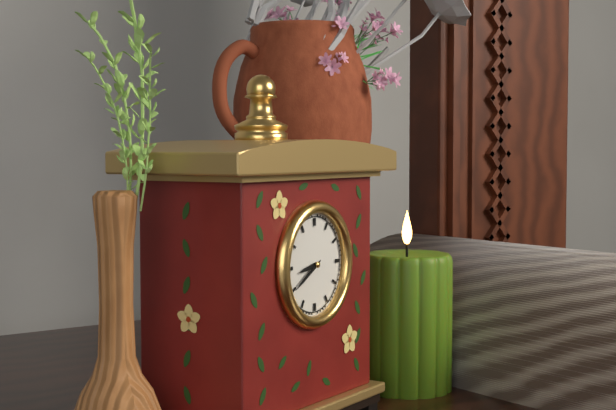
{"hour": 8, "minute": 40}
